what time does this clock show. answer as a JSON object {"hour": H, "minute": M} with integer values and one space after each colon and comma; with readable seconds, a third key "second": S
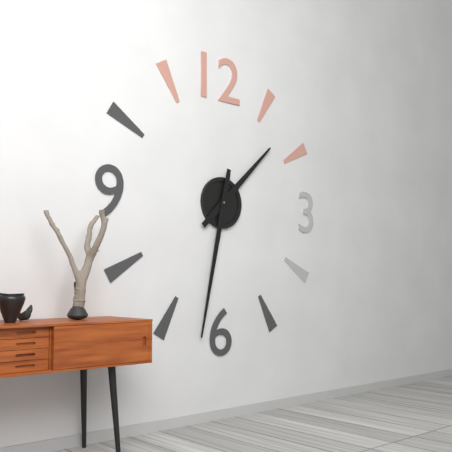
{"hour": 1, "minute": 32}
